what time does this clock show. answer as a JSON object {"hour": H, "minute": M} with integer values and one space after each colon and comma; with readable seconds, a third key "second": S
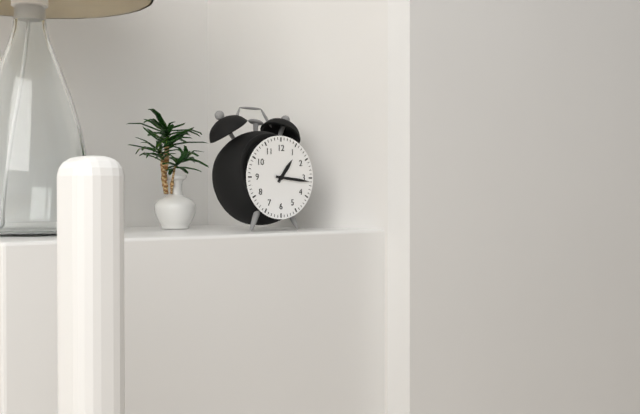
{"hour": 1, "minute": 16}
